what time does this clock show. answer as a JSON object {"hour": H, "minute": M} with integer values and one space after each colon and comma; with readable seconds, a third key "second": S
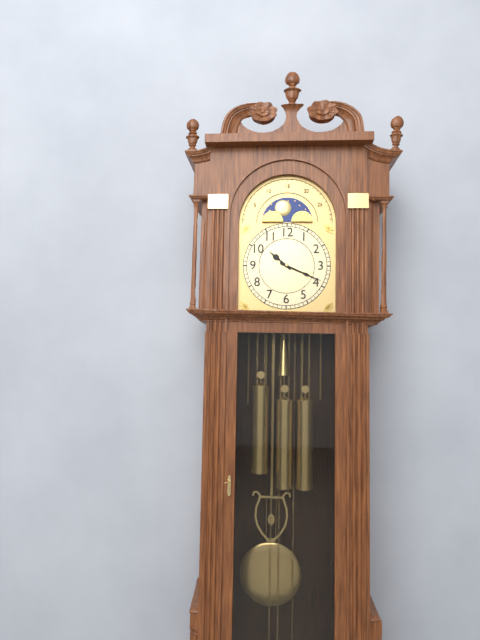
{"hour": 10, "minute": 19}
